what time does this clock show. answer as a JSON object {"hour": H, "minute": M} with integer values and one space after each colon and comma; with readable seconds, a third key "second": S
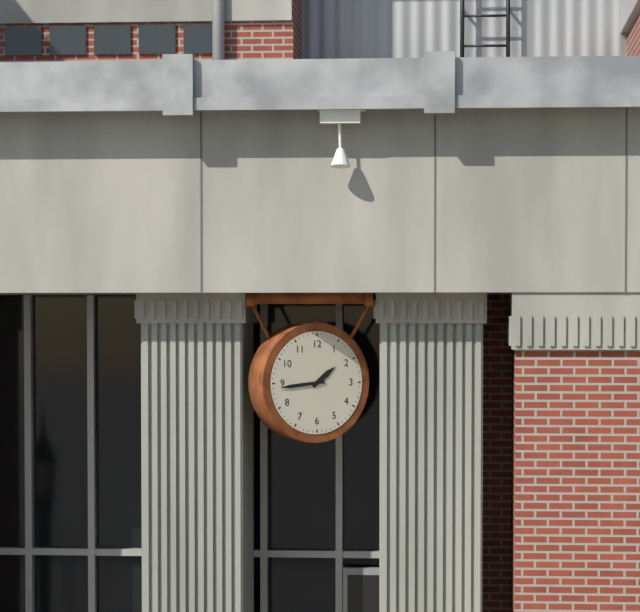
{"hour": 1, "minute": 44}
